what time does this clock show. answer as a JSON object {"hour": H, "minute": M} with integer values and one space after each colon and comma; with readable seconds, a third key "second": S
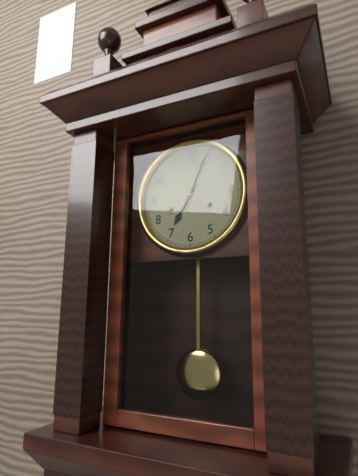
{"hour": 7, "minute": 4}
